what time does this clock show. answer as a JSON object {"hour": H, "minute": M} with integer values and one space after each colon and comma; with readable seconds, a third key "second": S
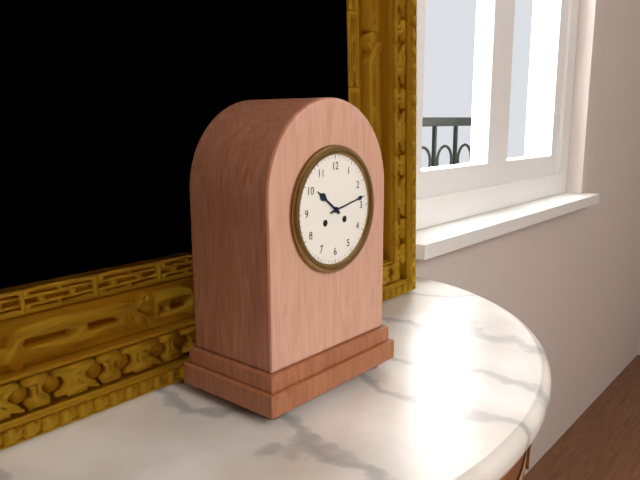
{"hour": 10, "minute": 13}
